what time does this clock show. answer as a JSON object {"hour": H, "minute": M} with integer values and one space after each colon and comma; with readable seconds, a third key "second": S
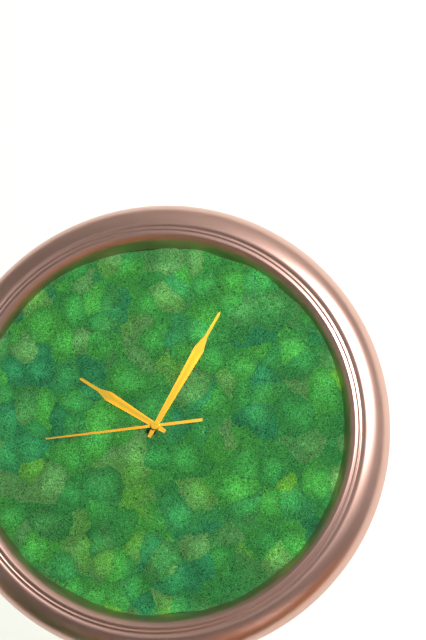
{"hour": 10, "minute": 5, "second": 44}
